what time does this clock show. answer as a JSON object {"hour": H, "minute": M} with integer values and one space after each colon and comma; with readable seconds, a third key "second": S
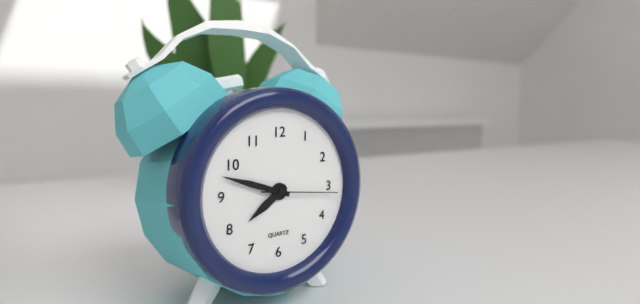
{"hour": 7, "minute": 48, "second": 16}
